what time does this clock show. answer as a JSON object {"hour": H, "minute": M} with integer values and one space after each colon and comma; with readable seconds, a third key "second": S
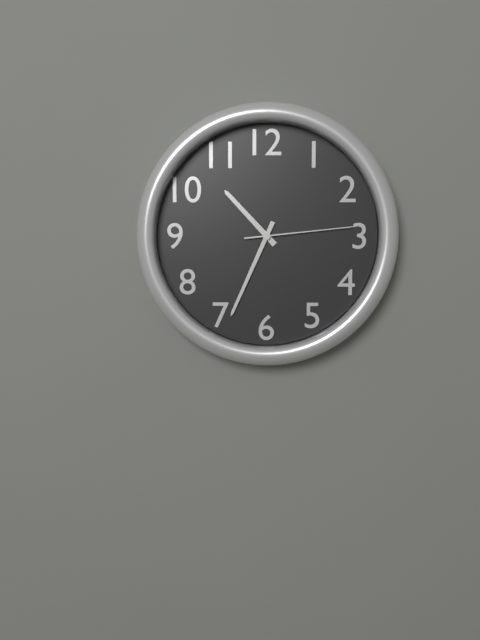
{"hour": 10, "minute": 34, "second": 14}
